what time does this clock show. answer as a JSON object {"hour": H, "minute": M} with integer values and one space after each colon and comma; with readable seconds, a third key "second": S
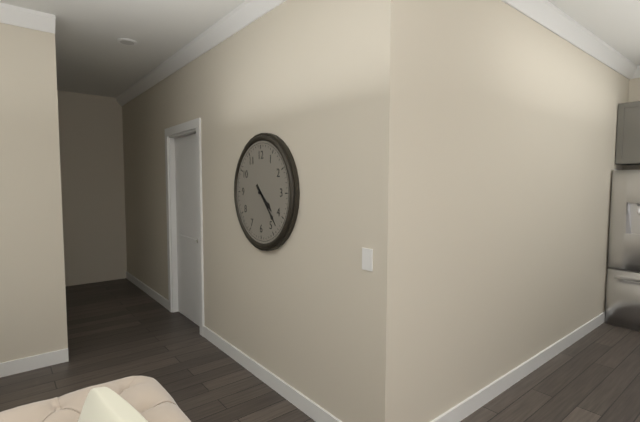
{"hour": 4, "minute": 23}
